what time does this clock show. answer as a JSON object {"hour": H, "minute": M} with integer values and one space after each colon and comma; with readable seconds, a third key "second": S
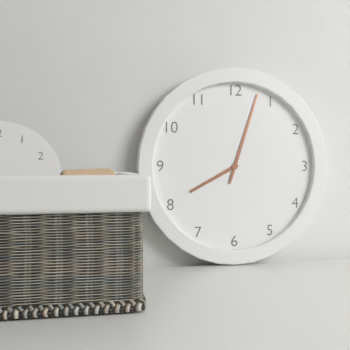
{"hour": 8, "minute": 3}
